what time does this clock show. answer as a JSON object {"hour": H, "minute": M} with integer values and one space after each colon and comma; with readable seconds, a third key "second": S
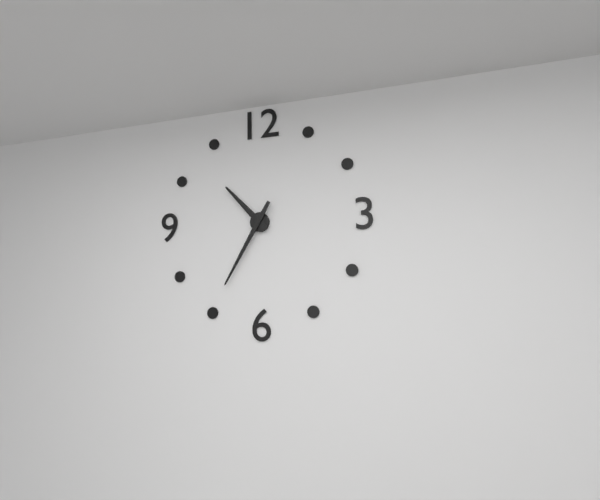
{"hour": 10, "minute": 35}
